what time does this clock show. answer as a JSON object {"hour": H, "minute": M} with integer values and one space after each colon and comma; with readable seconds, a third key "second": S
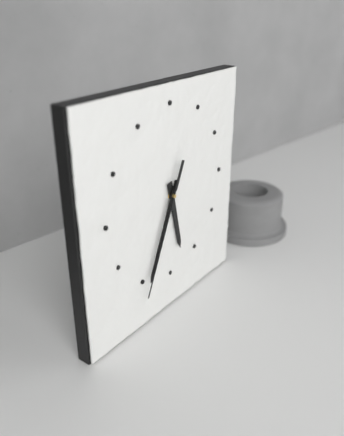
{"hour": 5, "minute": 34, "second": 34}
